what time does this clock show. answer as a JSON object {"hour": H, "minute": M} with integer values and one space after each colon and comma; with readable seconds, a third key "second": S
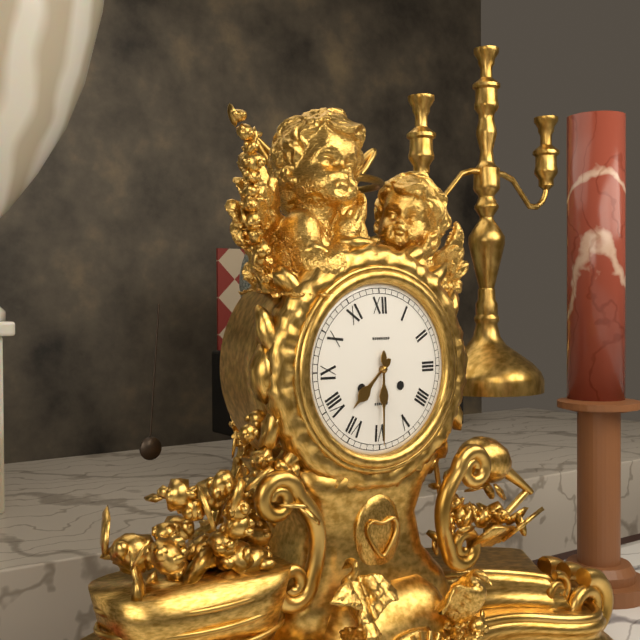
{"hour": 7, "minute": 30}
